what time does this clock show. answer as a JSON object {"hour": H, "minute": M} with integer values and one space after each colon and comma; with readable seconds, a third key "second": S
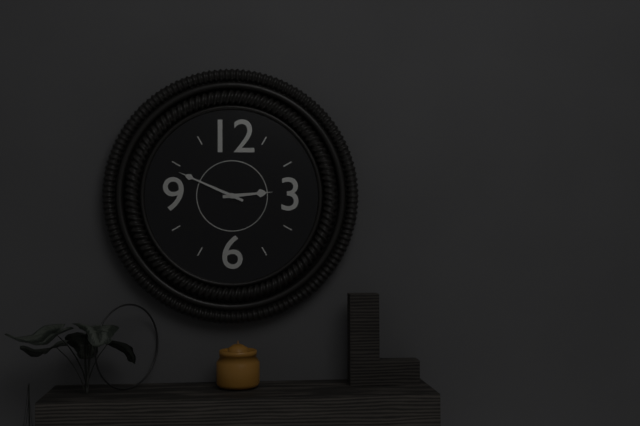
{"hour": 2, "minute": 49}
